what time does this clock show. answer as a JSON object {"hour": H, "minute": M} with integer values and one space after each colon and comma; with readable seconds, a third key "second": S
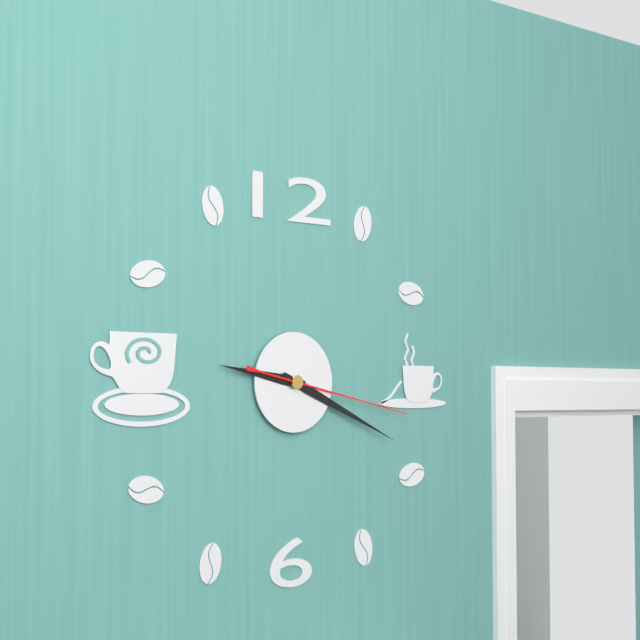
{"hour": 9, "minute": 19, "second": 17}
